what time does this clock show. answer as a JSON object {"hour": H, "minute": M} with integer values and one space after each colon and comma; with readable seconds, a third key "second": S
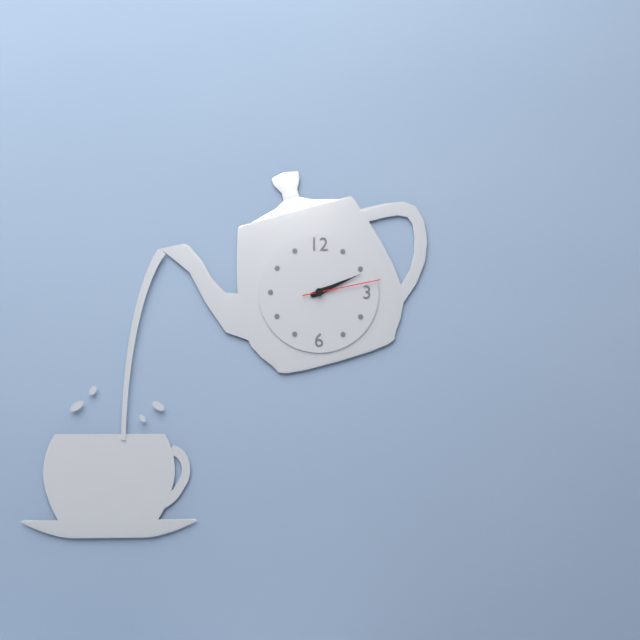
{"hour": 2, "minute": 11, "second": 13}
